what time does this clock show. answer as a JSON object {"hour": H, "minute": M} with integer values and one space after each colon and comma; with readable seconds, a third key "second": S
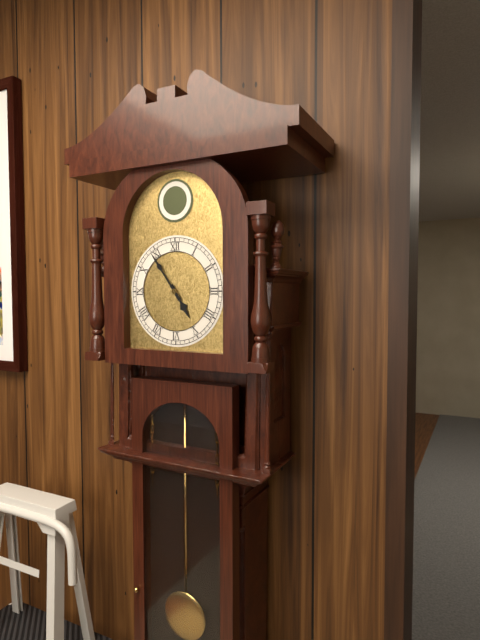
{"hour": 4, "minute": 54}
